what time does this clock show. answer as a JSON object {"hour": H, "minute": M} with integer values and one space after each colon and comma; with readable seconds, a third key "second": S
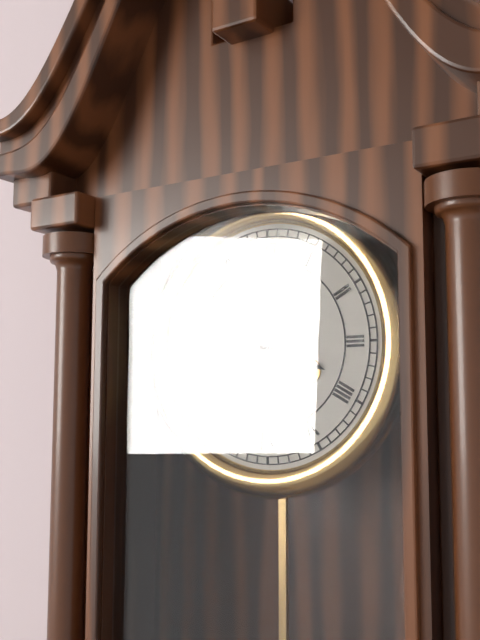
{"hour": 3, "minute": 44}
